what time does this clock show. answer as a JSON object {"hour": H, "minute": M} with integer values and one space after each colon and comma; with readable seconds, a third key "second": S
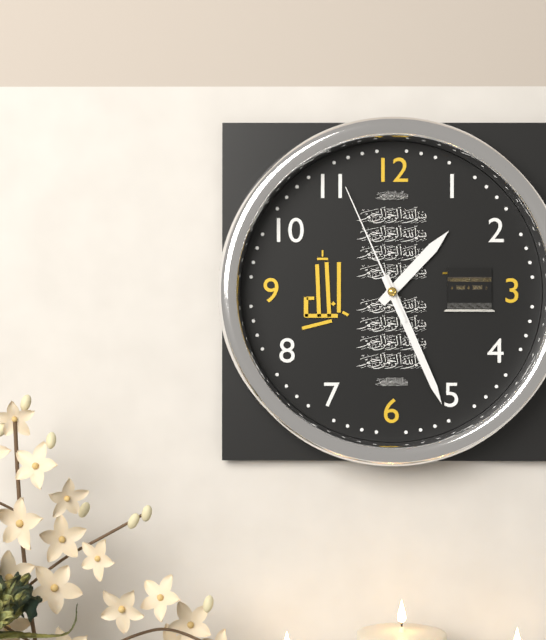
{"hour": 1, "minute": 26, "second": 56}
